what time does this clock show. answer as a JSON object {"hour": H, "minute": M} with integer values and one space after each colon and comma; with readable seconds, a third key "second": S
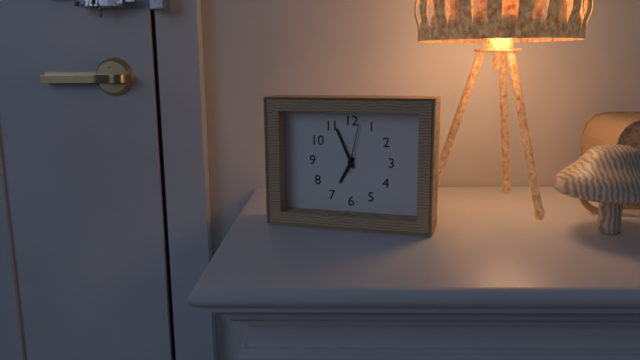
{"hour": 6, "minute": 56}
